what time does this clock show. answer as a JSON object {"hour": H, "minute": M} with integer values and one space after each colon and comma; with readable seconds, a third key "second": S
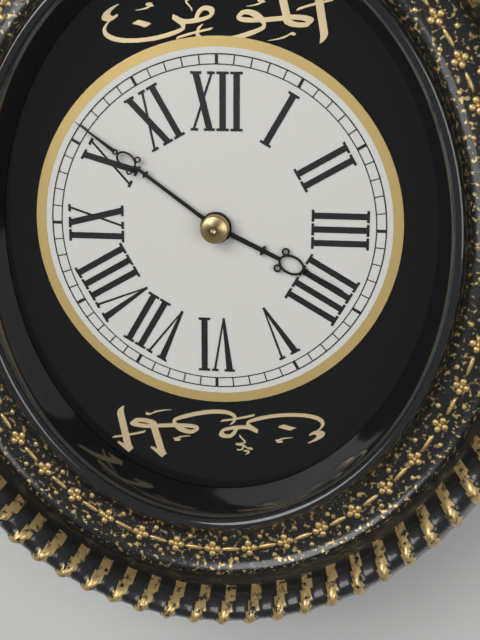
{"hour": 3, "minute": 51}
